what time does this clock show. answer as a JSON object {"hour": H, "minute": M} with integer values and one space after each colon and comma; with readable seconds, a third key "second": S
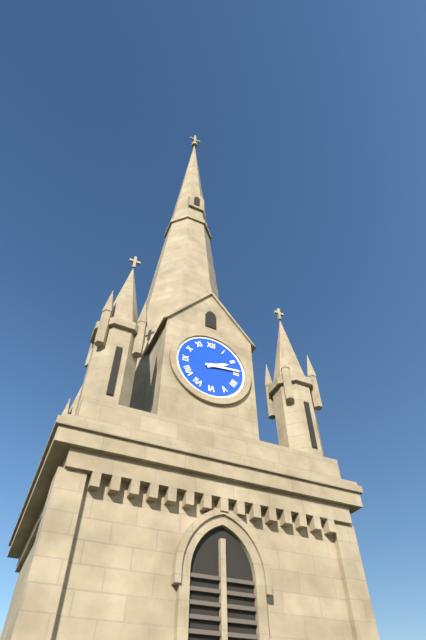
{"hour": 2, "minute": 14}
